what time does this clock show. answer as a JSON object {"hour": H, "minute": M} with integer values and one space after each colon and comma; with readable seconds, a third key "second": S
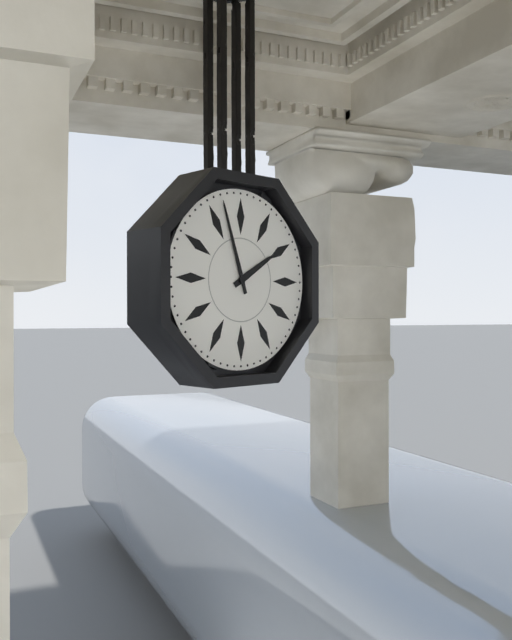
{"hour": 1, "minute": 57}
